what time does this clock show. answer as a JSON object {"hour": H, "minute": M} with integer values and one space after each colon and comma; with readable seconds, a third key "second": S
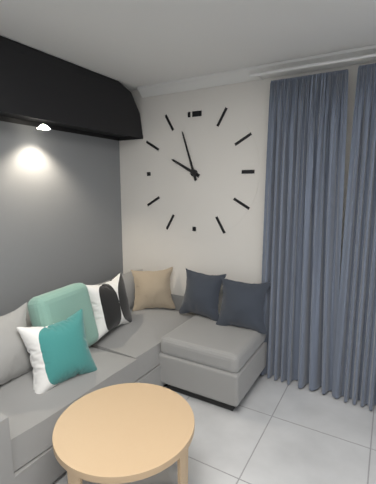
{"hour": 9, "minute": 57}
